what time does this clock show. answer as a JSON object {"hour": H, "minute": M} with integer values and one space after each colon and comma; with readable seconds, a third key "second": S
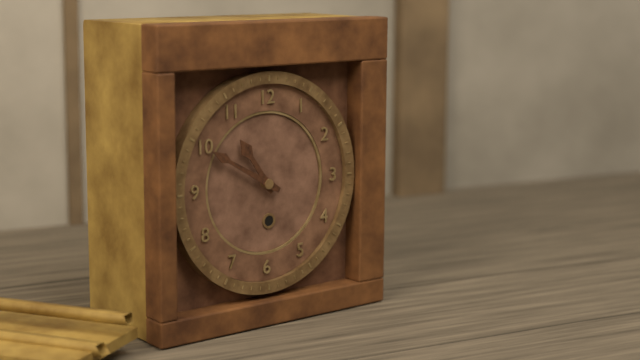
{"hour": 10, "minute": 50}
